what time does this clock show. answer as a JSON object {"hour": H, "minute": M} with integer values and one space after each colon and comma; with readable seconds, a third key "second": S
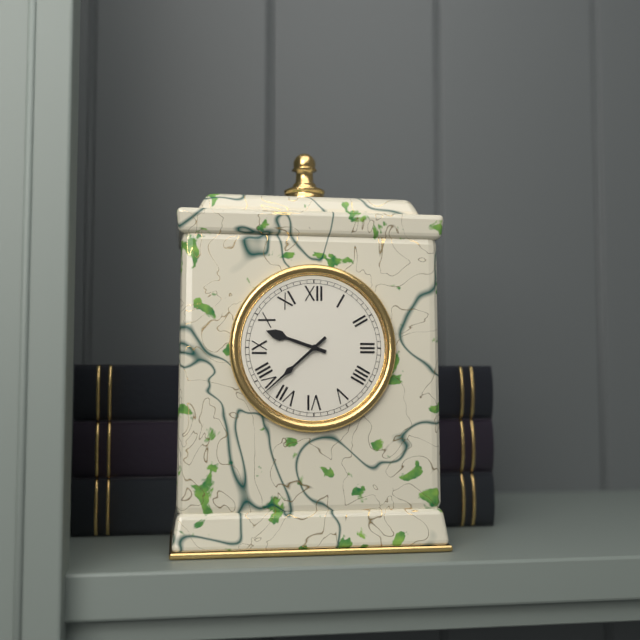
{"hour": 9, "minute": 38}
